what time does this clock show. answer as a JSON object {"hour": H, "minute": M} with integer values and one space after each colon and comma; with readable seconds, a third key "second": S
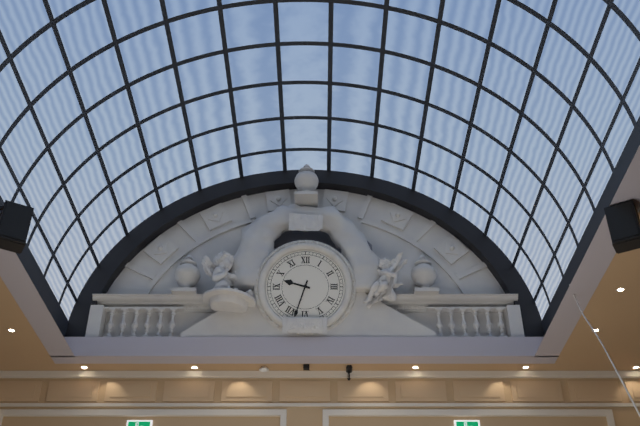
{"hour": 9, "minute": 33}
